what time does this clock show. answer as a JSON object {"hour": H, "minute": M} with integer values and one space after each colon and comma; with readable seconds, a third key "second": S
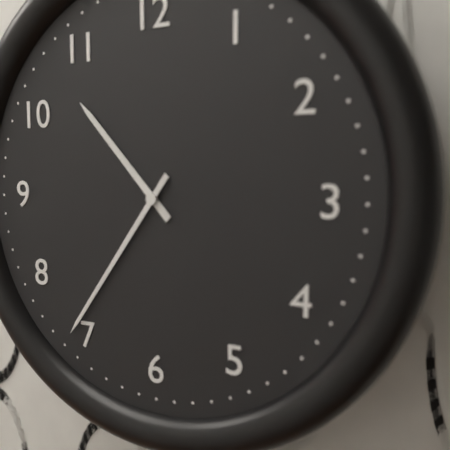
{"hour": 10, "minute": 36}
